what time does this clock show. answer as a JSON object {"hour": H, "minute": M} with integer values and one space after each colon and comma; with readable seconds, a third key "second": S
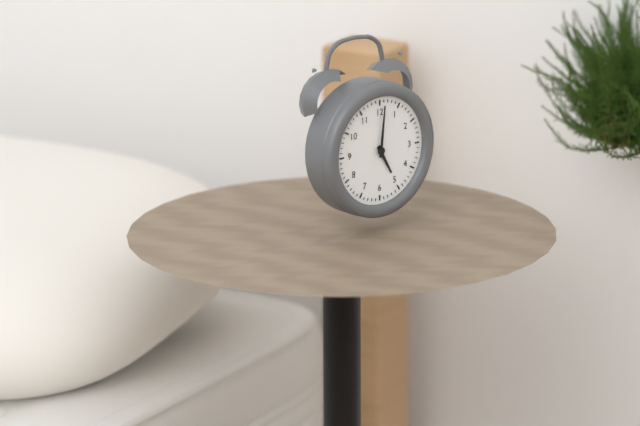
{"hour": 5, "minute": 1}
